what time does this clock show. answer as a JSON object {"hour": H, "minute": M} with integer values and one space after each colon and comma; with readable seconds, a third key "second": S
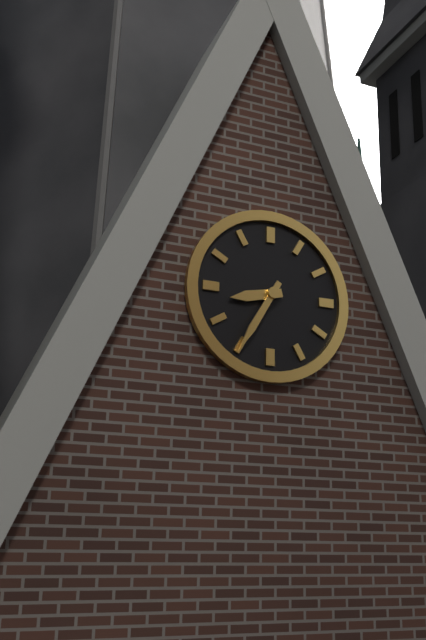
{"hour": 8, "minute": 35}
